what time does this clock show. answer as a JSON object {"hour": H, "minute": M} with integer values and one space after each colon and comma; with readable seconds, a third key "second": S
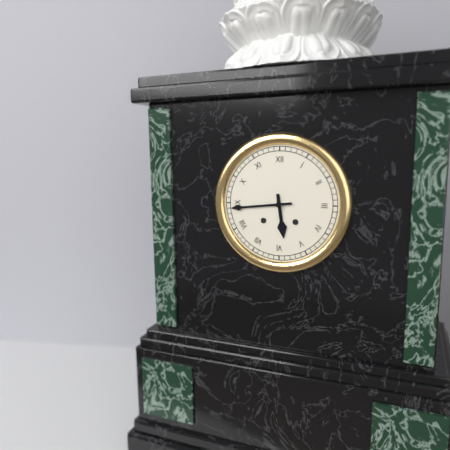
{"hour": 5, "minute": 44}
